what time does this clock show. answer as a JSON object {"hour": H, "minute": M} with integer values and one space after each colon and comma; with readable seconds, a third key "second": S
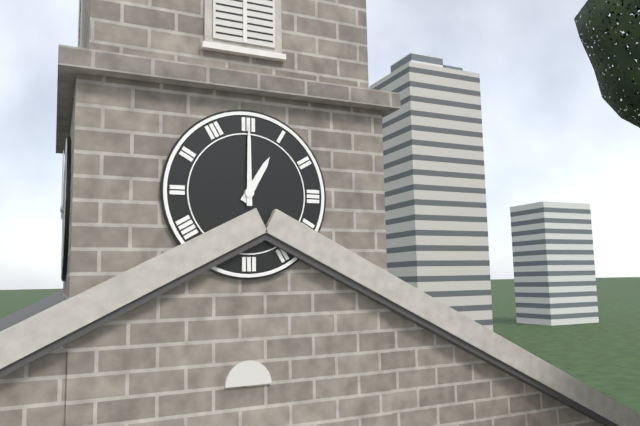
{"hour": 1, "minute": 0}
